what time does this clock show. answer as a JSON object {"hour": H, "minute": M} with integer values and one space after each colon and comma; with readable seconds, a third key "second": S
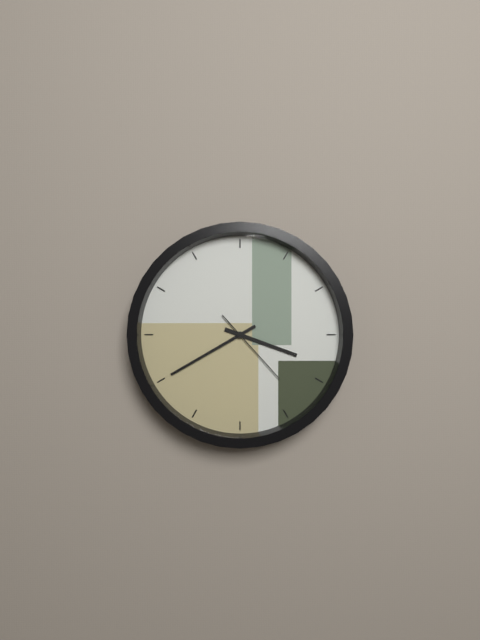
{"hour": 3, "minute": 40, "second": 23}
